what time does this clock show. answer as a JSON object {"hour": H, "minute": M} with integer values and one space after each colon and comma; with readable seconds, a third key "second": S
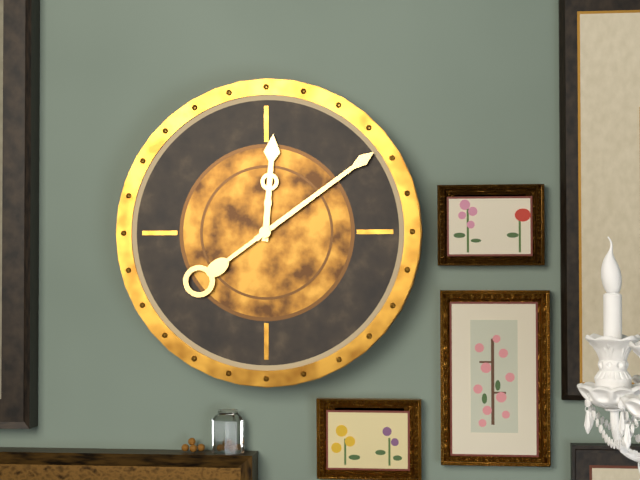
{"hour": 12, "minute": 9}
